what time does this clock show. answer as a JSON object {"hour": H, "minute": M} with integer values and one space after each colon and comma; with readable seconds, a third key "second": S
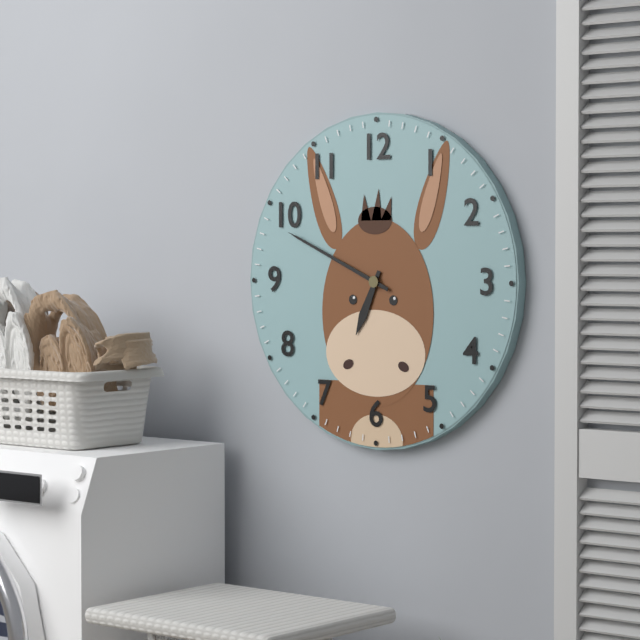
{"hour": 6, "minute": 49}
